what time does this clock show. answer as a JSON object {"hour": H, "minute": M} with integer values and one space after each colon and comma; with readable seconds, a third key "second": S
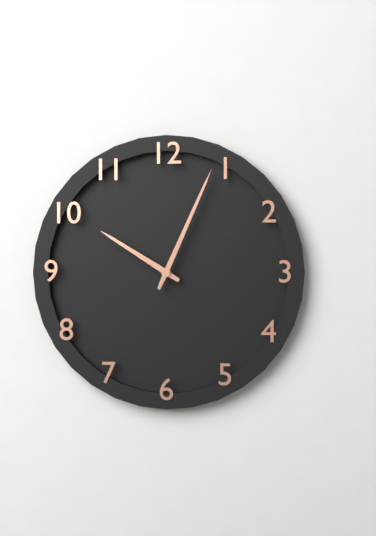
{"hour": 10, "minute": 4}
